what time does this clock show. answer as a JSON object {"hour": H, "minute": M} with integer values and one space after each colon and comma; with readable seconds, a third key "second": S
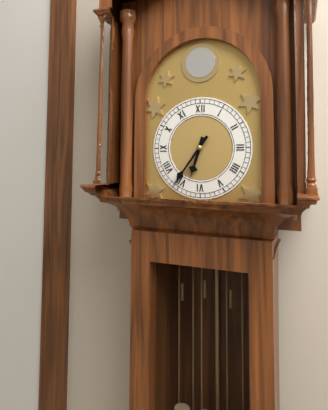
{"hour": 6, "minute": 36}
